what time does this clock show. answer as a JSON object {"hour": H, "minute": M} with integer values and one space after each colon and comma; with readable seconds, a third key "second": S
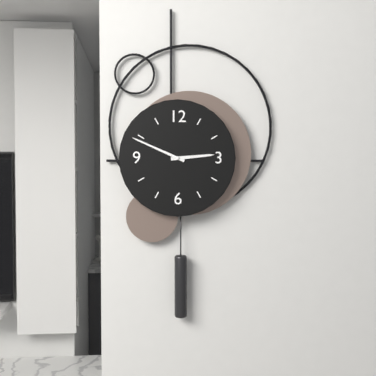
{"hour": 2, "minute": 49}
